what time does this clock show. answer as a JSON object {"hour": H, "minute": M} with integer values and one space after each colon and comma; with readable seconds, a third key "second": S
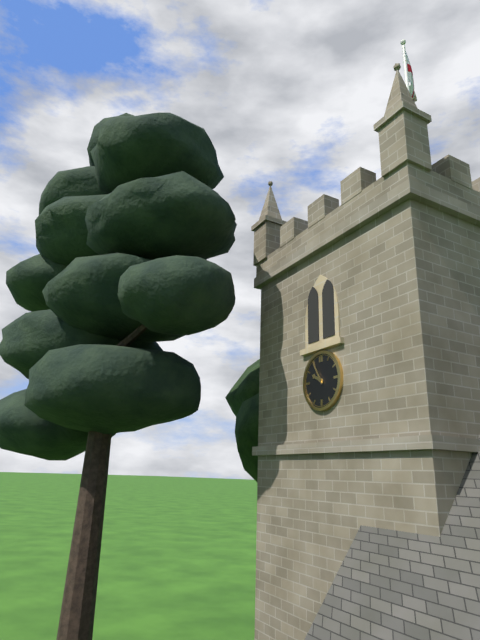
{"hour": 9, "minute": 55}
